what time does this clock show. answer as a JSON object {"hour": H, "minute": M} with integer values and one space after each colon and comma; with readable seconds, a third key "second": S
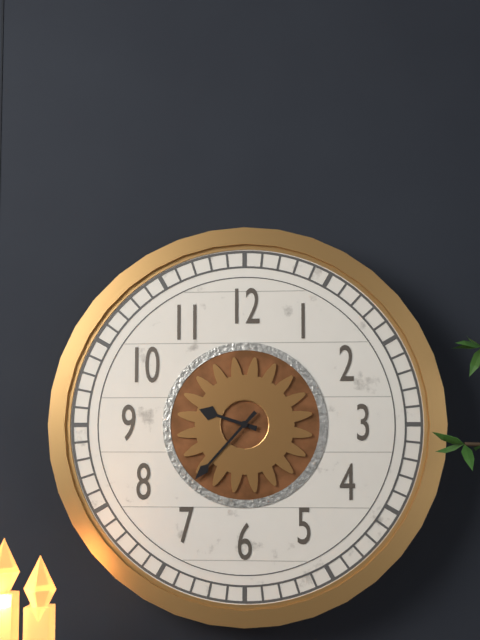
{"hour": 9, "minute": 37}
